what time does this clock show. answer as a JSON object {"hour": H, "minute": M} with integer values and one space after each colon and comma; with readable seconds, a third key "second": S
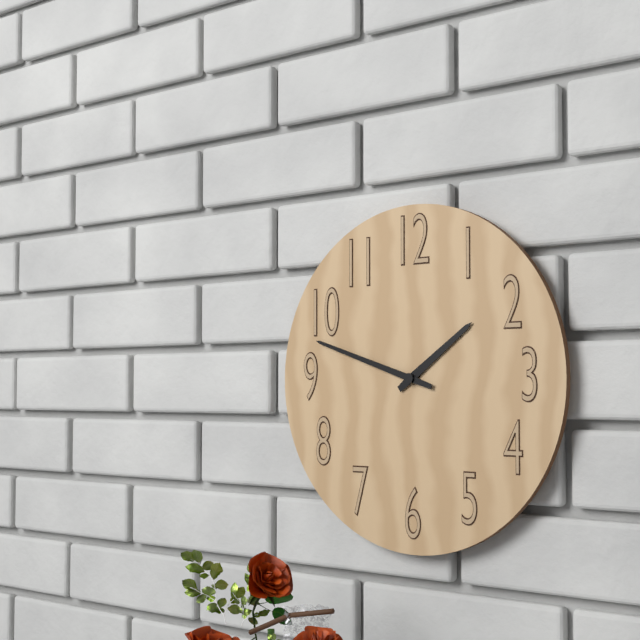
{"hour": 1, "minute": 48}
